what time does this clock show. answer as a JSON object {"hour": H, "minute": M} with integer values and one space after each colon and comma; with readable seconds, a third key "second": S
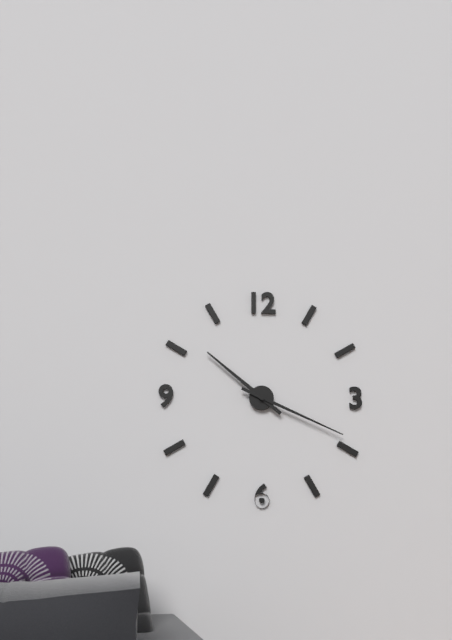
{"hour": 10, "minute": 19}
